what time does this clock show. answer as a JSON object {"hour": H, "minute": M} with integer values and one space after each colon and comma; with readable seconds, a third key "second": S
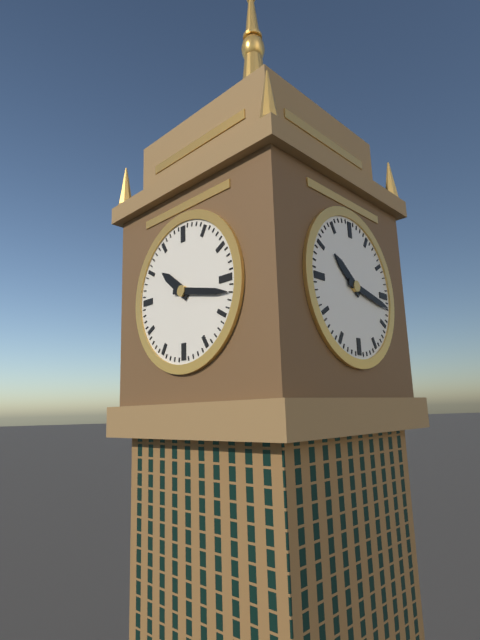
{"hour": 10, "minute": 17}
